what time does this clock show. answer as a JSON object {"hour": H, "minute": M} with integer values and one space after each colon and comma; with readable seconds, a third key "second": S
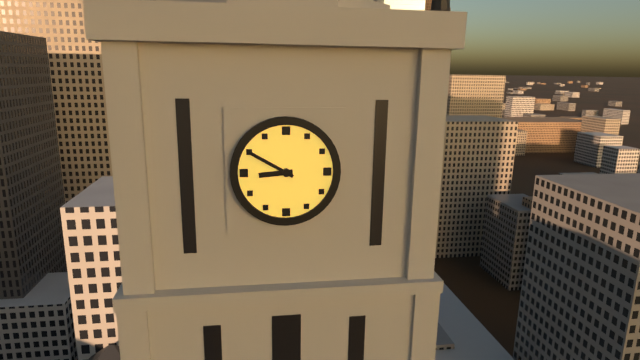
{"hour": 8, "minute": 50}
